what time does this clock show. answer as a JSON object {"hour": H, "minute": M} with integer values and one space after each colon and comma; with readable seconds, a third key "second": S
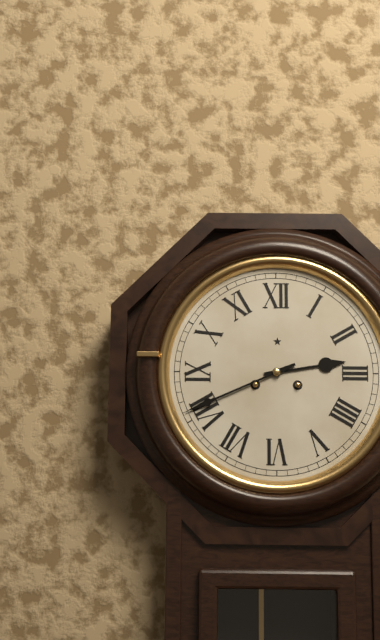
{"hour": 2, "minute": 41}
